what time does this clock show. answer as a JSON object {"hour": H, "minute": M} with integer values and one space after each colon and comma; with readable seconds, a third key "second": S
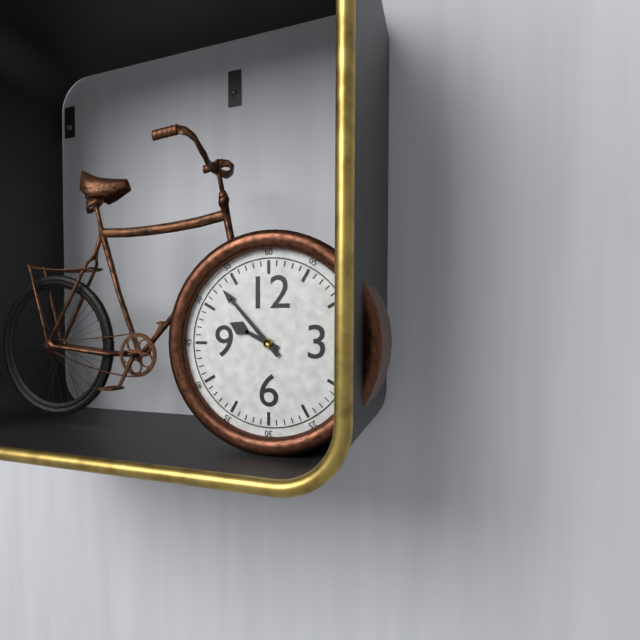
{"hour": 9, "minute": 53}
